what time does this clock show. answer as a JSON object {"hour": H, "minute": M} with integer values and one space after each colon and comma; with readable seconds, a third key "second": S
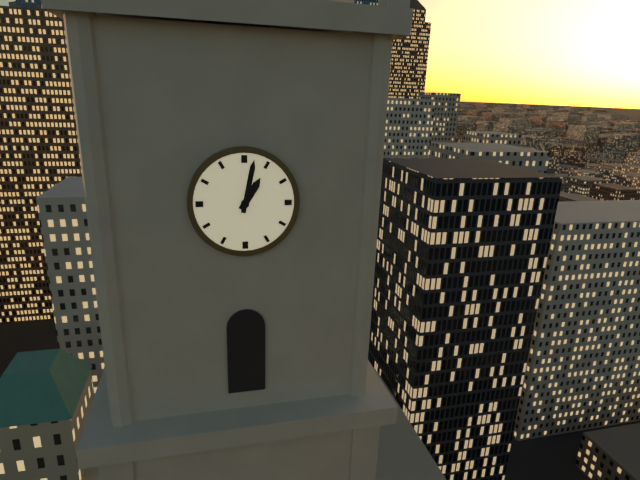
{"hour": 1, "minute": 2}
